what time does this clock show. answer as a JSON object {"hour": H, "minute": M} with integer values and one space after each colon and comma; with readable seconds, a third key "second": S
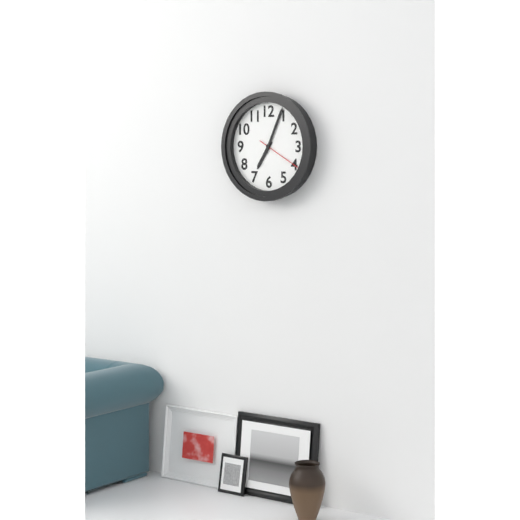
{"hour": 7, "minute": 4, "second": 20}
